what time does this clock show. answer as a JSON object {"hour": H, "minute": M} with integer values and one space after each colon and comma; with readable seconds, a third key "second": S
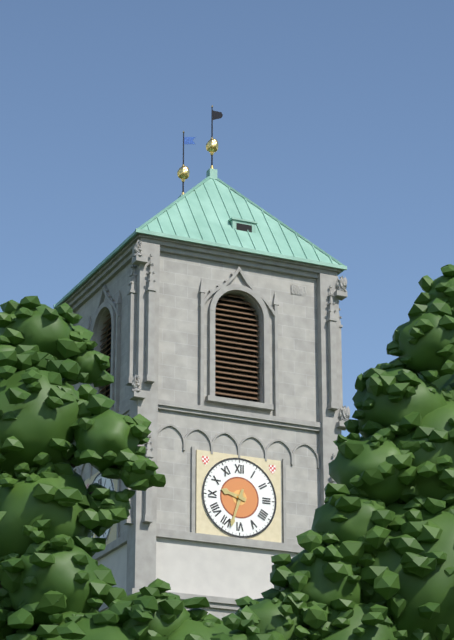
{"hour": 9, "minute": 33}
